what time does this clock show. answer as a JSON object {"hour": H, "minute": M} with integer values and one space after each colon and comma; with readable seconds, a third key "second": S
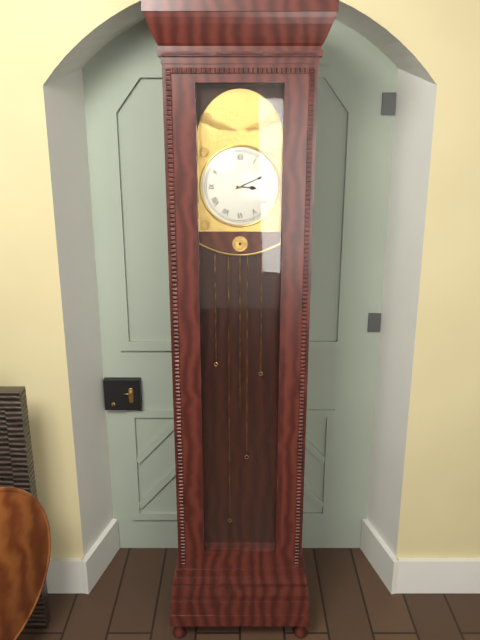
{"hour": 3, "minute": 11}
